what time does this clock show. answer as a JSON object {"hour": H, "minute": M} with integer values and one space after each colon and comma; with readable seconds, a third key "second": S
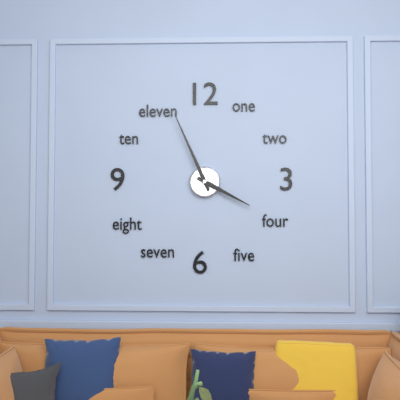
{"hour": 3, "minute": 56}
